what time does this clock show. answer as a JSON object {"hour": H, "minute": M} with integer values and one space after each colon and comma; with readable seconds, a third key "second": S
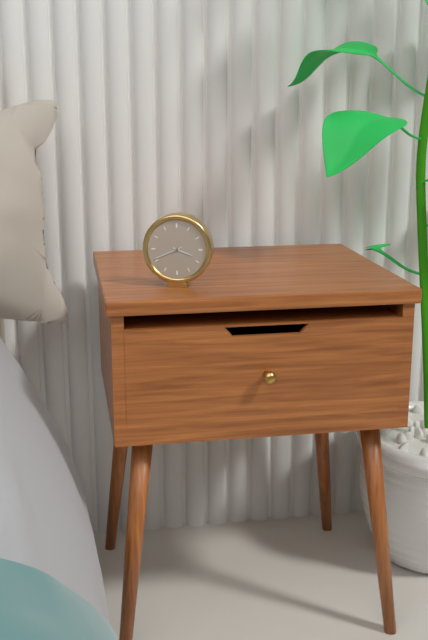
{"hour": 3, "minute": 41}
